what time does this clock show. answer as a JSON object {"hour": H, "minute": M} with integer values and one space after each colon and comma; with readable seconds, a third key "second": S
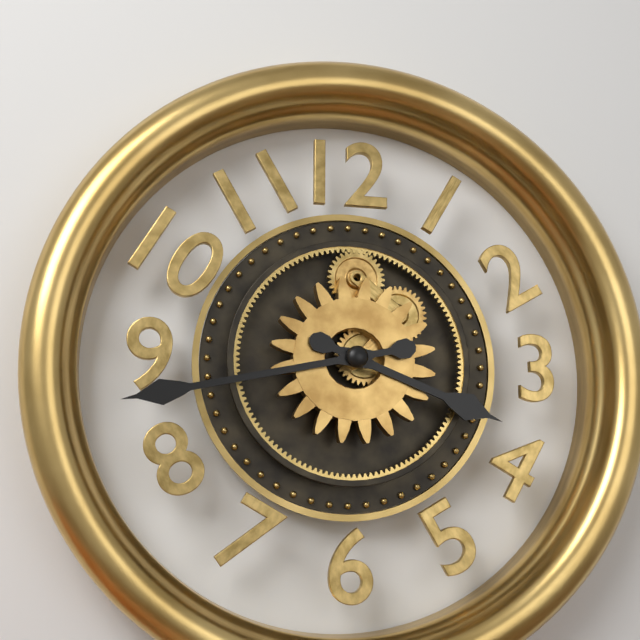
{"hour": 3, "minute": 43}
